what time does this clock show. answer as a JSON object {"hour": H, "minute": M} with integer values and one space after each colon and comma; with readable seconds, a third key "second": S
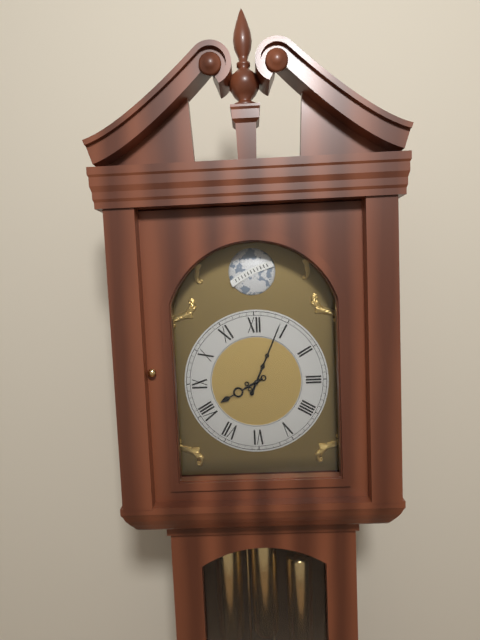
{"hour": 8, "minute": 4}
